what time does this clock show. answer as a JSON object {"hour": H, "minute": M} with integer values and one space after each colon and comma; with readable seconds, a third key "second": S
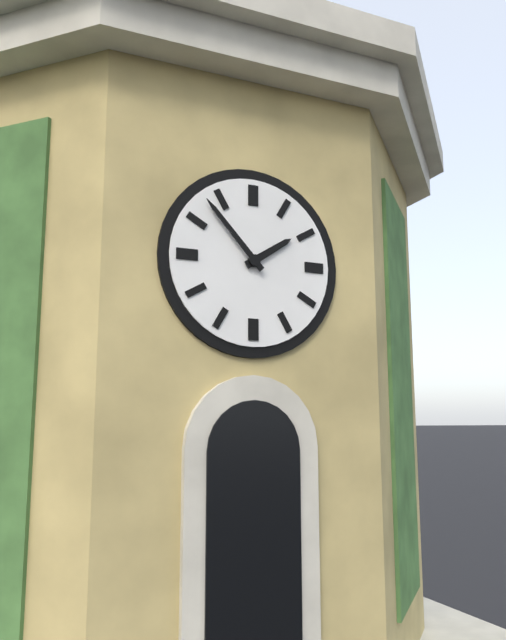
{"hour": 1, "minute": 53}
